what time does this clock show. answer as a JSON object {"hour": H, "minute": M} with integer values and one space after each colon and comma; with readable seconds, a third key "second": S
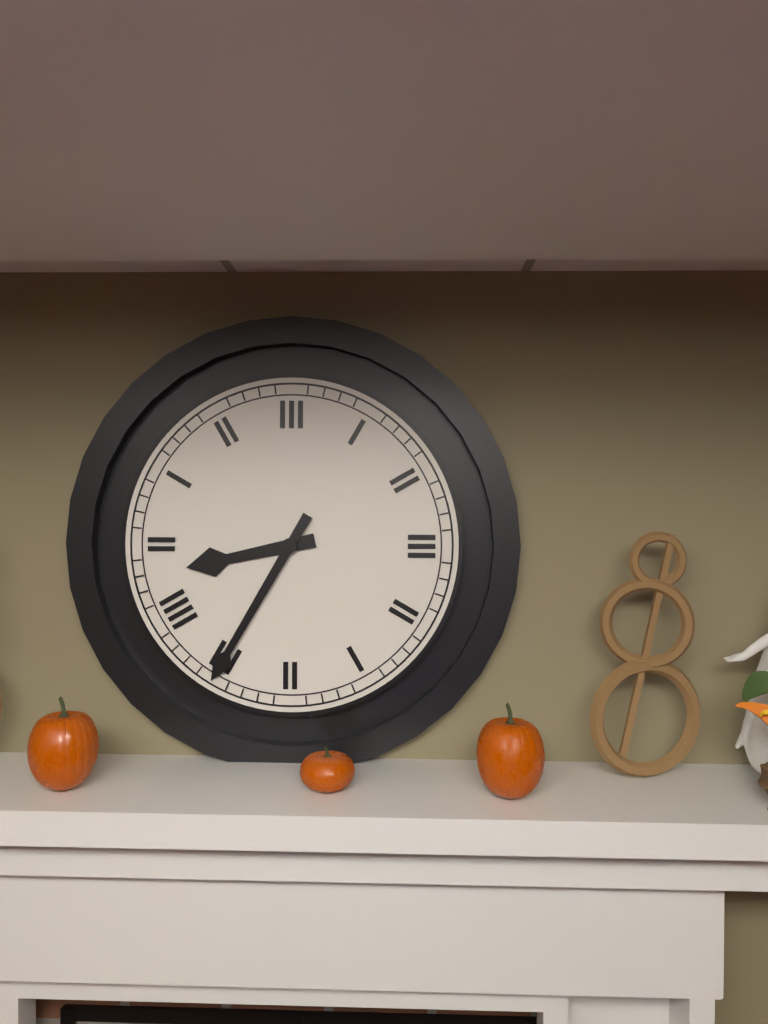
{"hour": 8, "minute": 35}
